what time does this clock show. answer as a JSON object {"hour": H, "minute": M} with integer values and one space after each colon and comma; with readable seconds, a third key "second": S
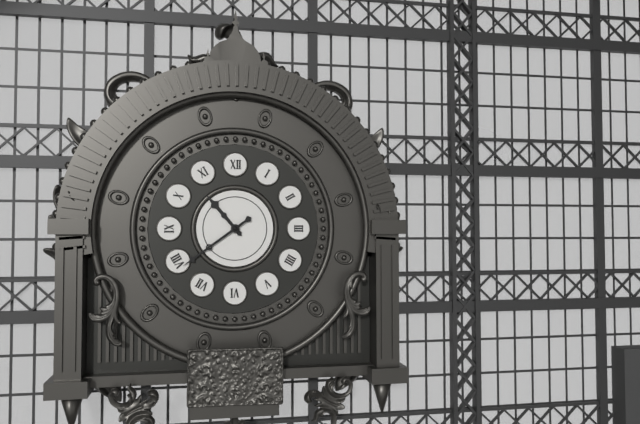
{"hour": 10, "minute": 39}
